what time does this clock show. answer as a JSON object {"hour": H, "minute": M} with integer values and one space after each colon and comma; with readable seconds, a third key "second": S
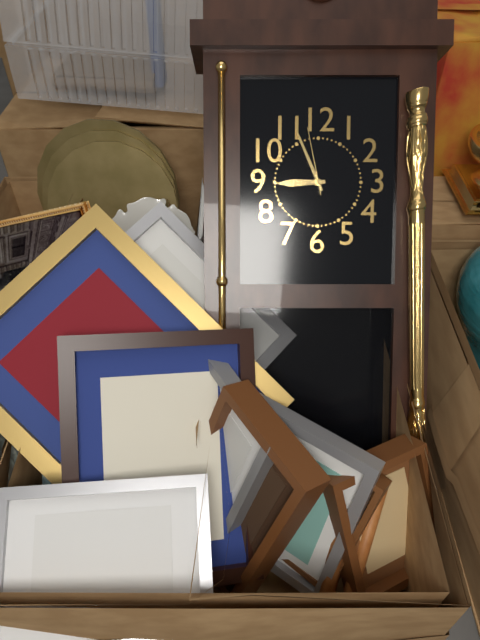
{"hour": 8, "minute": 56, "second": 58}
